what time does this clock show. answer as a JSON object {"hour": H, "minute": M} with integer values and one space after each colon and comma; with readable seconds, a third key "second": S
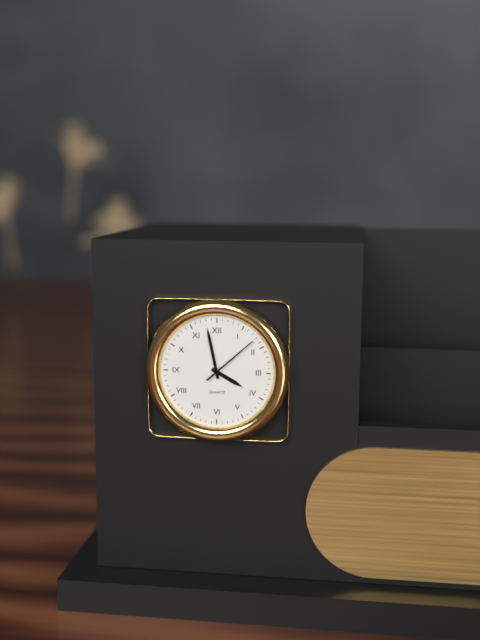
{"hour": 3, "minute": 58, "second": 8}
